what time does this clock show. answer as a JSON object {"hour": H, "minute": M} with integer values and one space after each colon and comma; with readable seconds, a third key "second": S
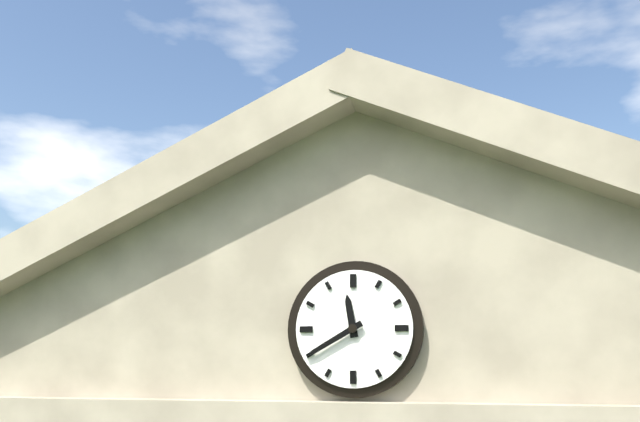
{"hour": 11, "minute": 40}
